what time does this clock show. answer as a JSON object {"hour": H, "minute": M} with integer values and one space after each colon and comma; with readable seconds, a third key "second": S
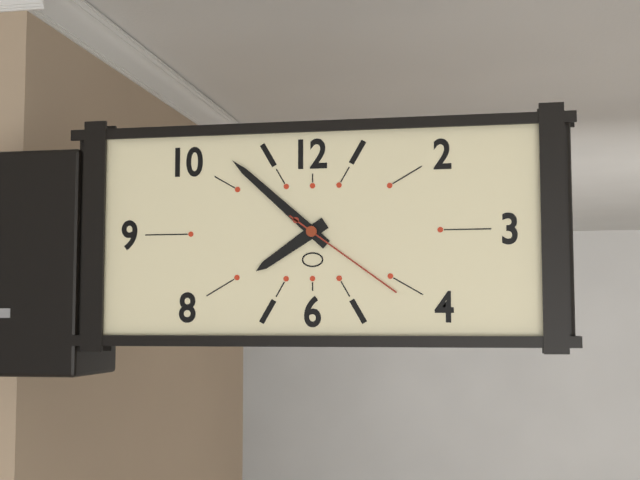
{"hour": 7, "minute": 52, "second": 21}
